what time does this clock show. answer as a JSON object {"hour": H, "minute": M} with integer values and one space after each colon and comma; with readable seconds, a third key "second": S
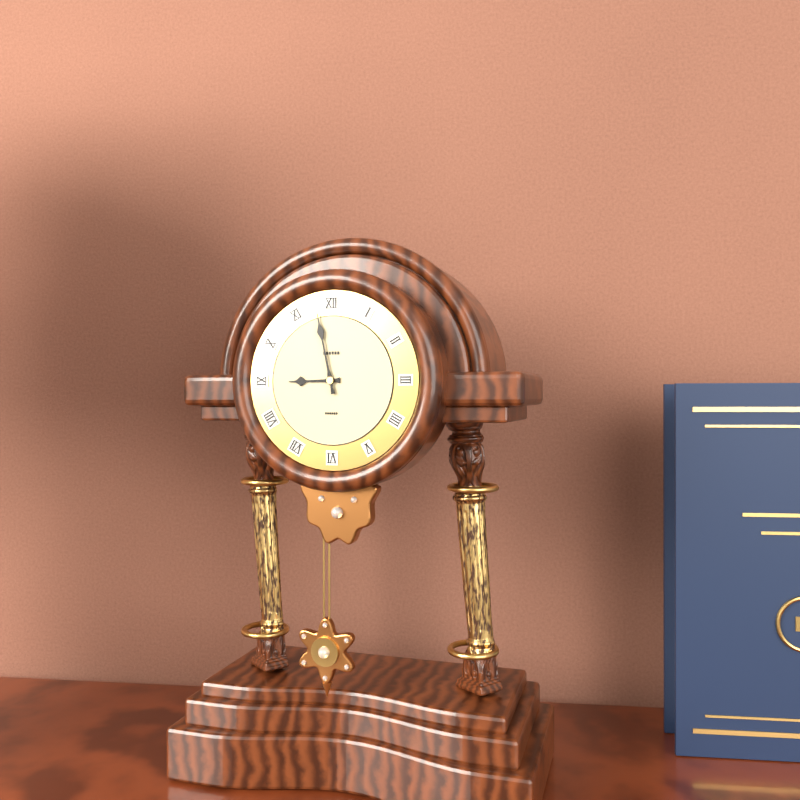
{"hour": 8, "minute": 58}
